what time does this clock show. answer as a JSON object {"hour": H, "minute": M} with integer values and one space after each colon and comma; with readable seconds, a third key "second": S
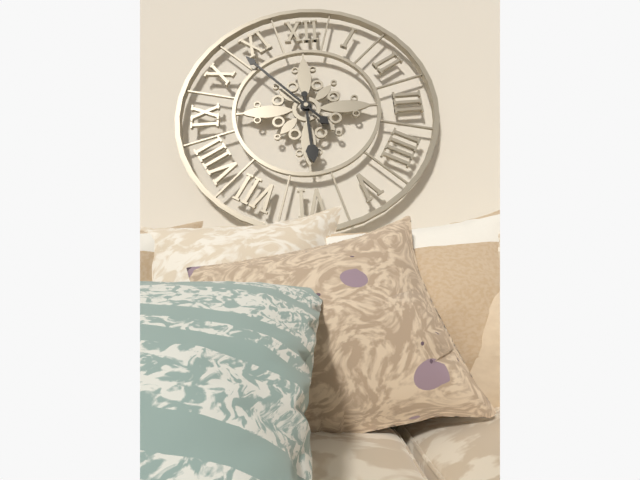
{"hour": 5, "minute": 53}
